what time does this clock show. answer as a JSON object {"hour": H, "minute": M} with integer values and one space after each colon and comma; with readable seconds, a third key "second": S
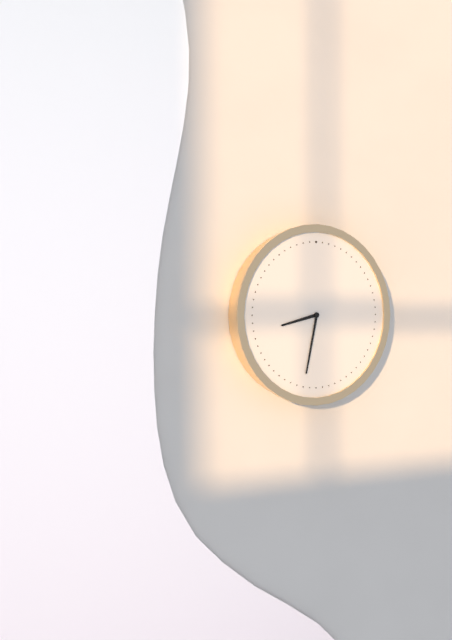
{"hour": 8, "minute": 32}
